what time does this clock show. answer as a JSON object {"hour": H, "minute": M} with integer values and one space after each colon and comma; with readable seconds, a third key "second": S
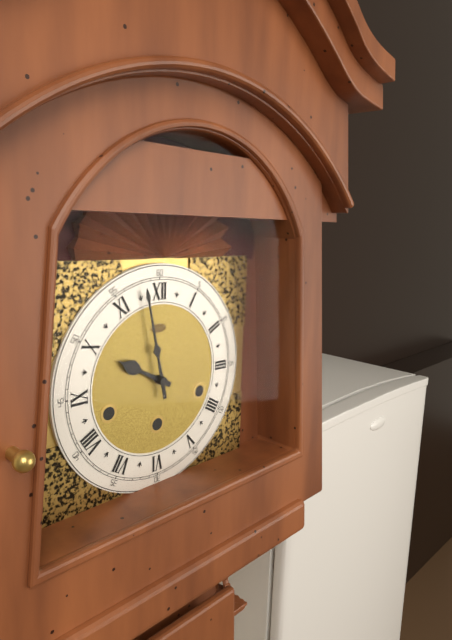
{"hour": 9, "minute": 58}
